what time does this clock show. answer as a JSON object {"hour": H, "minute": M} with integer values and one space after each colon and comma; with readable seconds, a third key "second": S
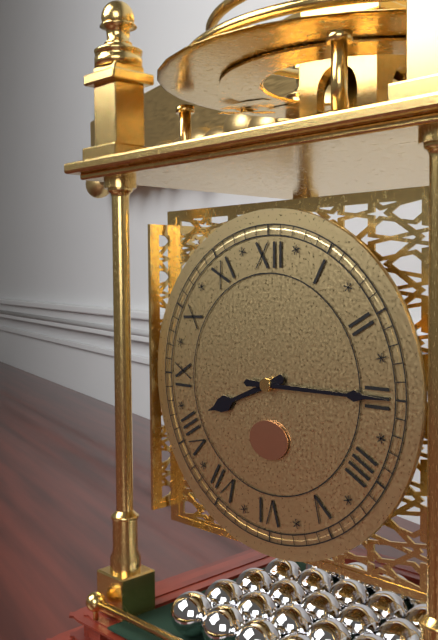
{"hour": 8, "minute": 15}
